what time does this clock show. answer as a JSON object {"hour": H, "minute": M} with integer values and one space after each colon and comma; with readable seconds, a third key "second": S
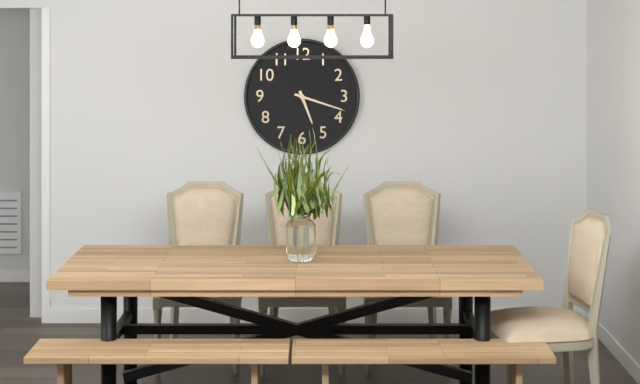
{"hour": 5, "minute": 18}
